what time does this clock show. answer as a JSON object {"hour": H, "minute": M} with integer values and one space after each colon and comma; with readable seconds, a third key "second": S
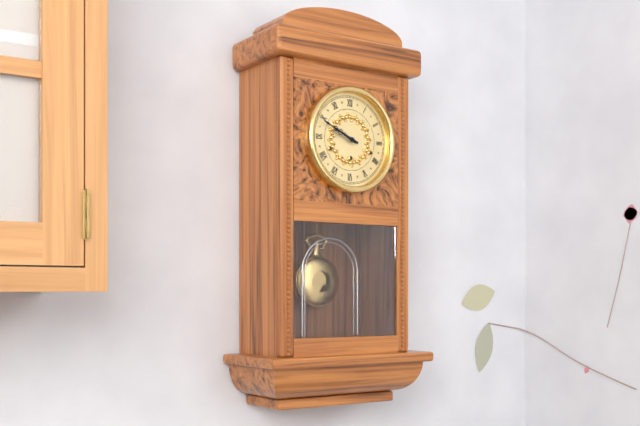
{"hour": 9, "minute": 49}
